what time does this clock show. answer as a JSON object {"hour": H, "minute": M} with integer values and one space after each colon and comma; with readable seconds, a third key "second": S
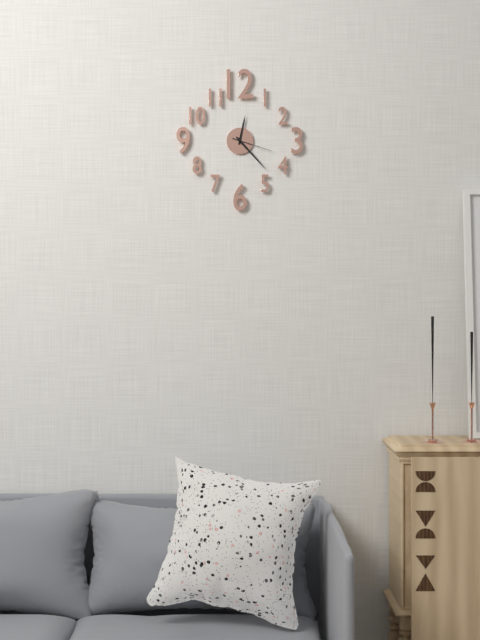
{"hour": 12, "minute": 23}
